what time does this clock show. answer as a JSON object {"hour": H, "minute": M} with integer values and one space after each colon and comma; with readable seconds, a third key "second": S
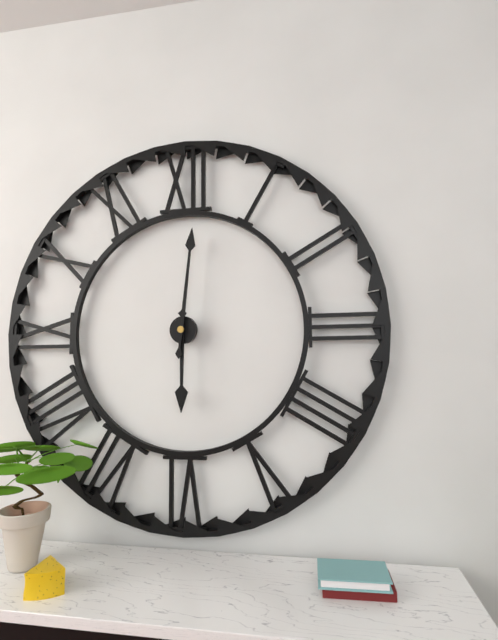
{"hour": 6, "minute": 1}
